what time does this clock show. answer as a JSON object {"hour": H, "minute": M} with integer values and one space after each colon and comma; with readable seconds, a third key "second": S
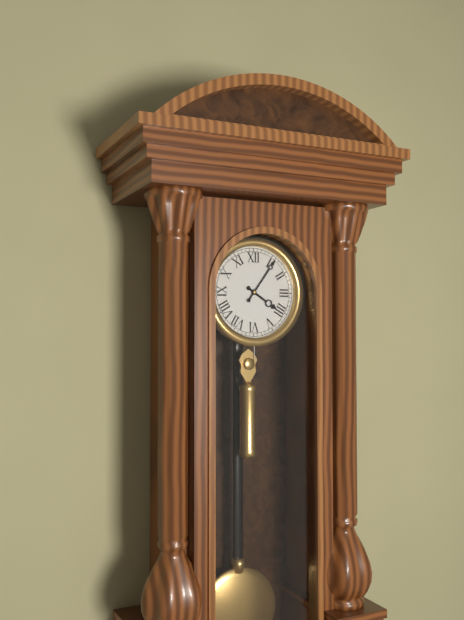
{"hour": 4, "minute": 6}
